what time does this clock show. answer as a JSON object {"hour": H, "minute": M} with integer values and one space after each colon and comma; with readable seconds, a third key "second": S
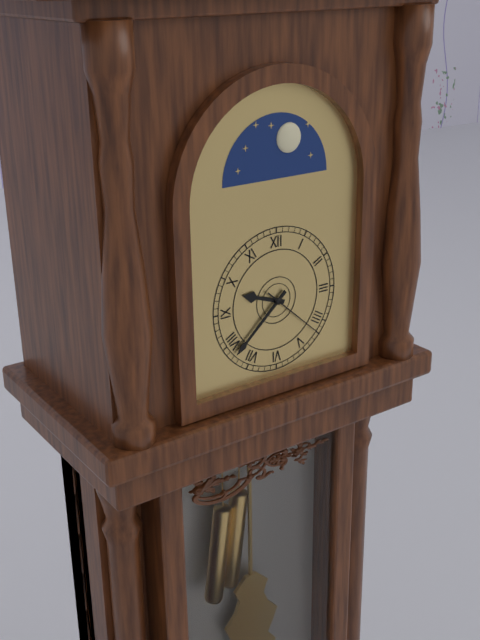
{"hour": 9, "minute": 38, "second": 22}
